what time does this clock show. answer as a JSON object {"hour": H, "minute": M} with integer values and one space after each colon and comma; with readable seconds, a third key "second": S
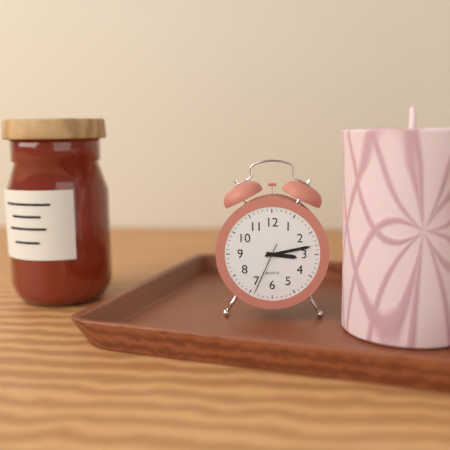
{"hour": 3, "minute": 13, "second": 34}
